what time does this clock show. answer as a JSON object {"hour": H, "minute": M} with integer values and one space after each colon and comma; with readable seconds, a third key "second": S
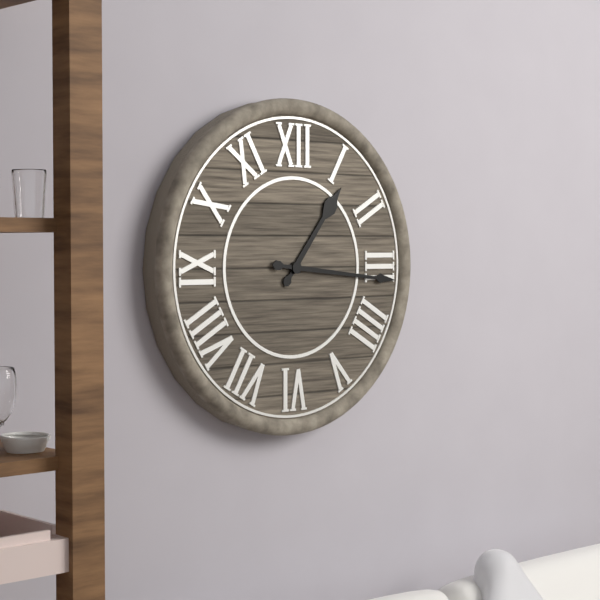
{"hour": 1, "minute": 16}
